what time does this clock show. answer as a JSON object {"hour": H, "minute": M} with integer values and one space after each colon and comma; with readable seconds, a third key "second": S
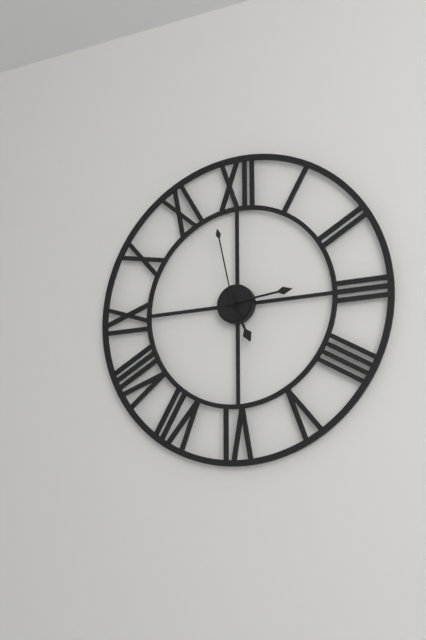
{"hour": 5, "minute": 14, "second": 58}
